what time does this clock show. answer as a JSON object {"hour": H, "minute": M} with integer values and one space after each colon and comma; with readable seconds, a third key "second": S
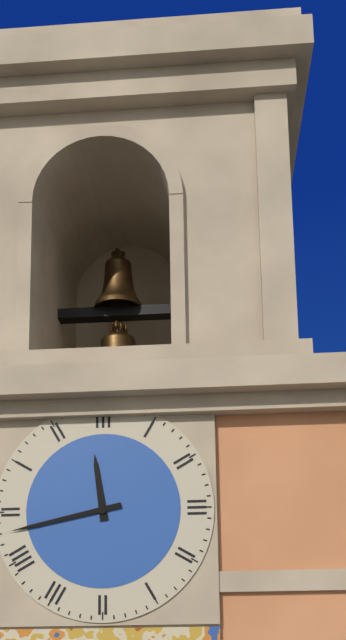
{"hour": 11, "minute": 43}
